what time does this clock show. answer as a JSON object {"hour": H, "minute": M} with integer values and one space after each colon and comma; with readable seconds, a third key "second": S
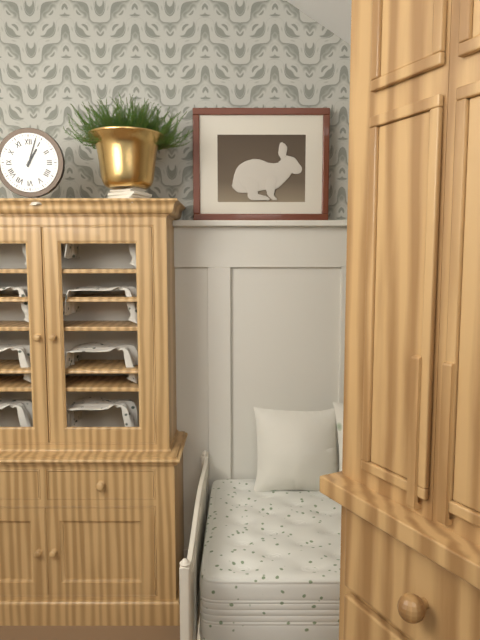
{"hour": 1, "minute": 3}
